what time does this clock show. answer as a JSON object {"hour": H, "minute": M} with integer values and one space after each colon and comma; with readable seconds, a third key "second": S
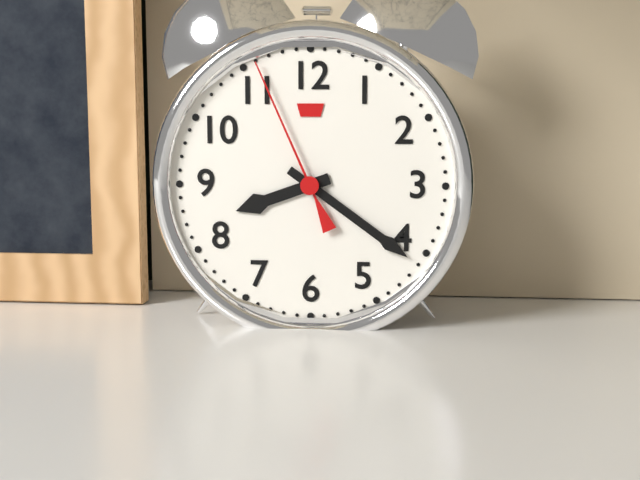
{"hour": 8, "minute": 21, "second": 56}
